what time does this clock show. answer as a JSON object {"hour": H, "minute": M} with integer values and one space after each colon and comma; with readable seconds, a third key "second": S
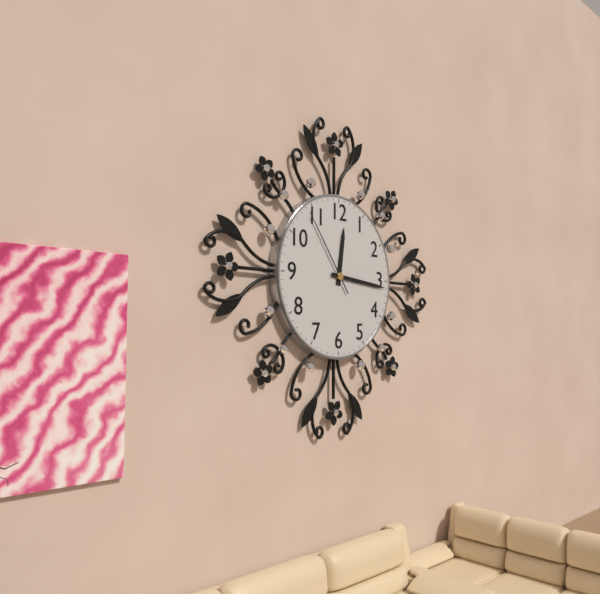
{"hour": 12, "minute": 16, "second": 54}
